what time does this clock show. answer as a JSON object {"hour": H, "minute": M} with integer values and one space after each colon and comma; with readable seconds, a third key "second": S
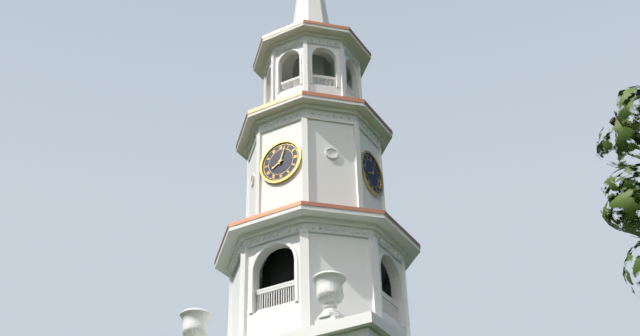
{"hour": 8, "minute": 3}
